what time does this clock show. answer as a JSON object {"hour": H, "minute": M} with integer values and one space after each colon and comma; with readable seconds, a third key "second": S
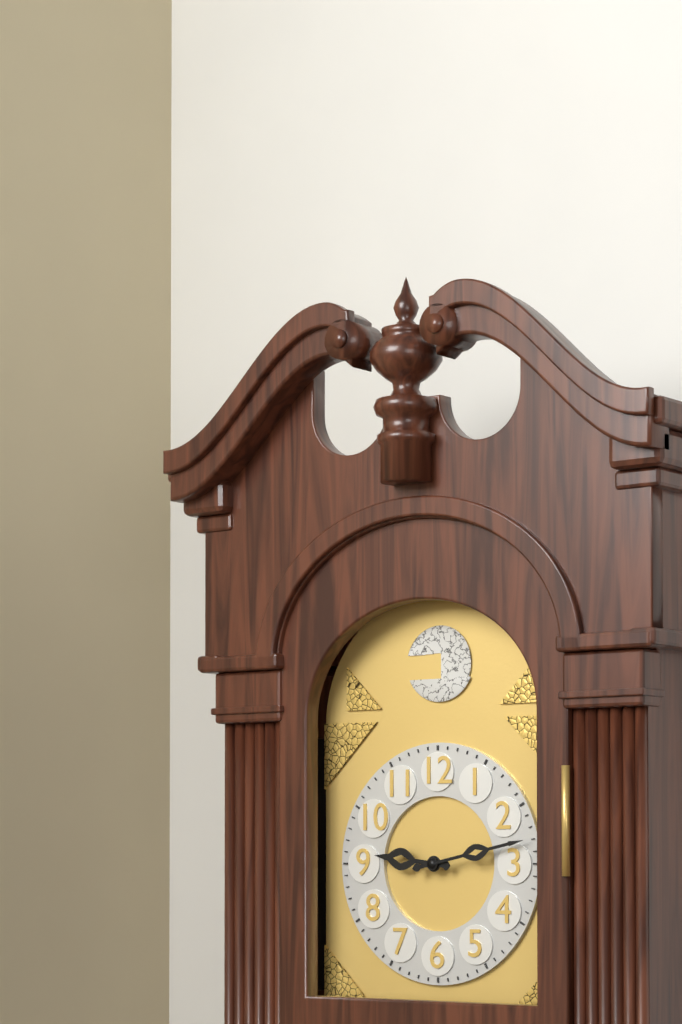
{"hour": 9, "minute": 13}
